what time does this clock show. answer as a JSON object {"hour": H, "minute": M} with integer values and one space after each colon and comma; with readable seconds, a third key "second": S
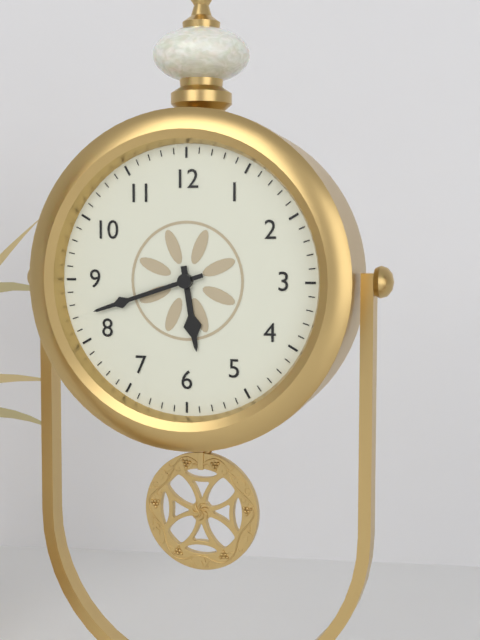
{"hour": 5, "minute": 42}
